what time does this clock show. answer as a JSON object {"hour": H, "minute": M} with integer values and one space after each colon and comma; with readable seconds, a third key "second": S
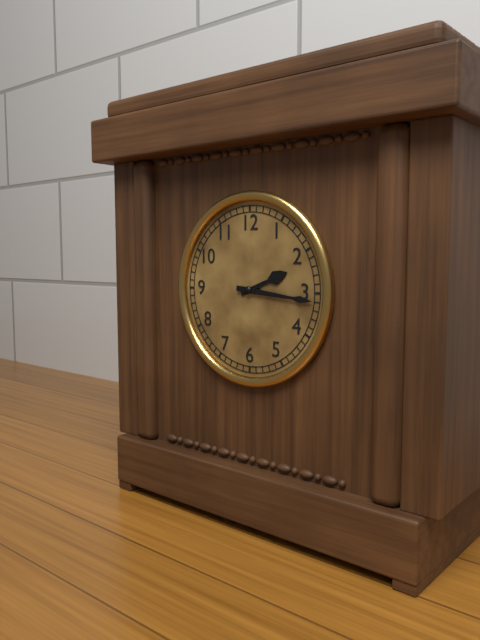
{"hour": 2, "minute": 16}
